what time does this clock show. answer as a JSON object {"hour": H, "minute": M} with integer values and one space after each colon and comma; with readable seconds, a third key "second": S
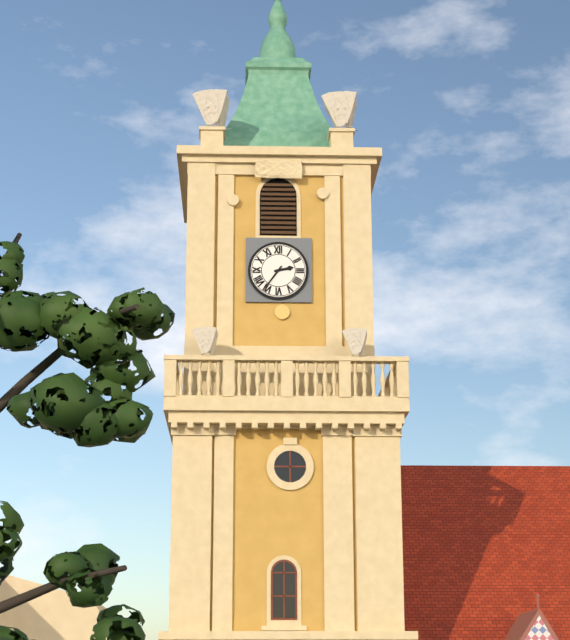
{"hour": 2, "minute": 36}
